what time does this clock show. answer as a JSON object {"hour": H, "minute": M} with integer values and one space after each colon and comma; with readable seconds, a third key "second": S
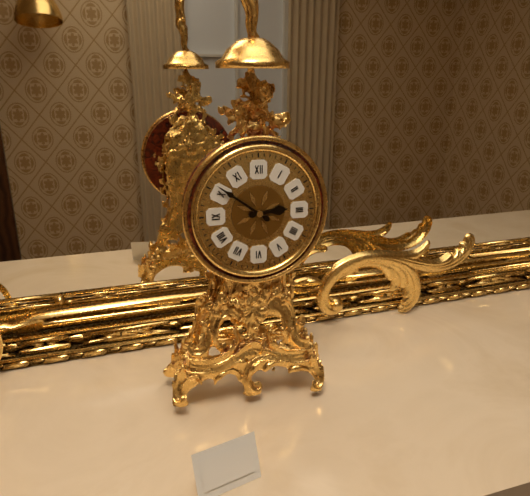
{"hour": 2, "minute": 51}
